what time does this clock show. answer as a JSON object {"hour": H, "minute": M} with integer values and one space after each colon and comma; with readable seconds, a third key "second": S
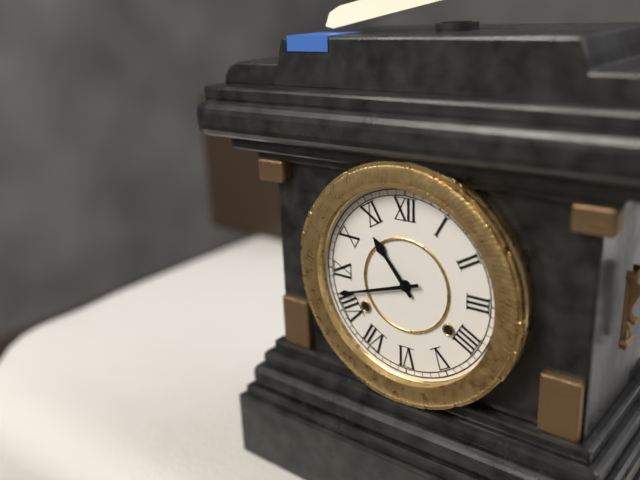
{"hour": 10, "minute": 42}
